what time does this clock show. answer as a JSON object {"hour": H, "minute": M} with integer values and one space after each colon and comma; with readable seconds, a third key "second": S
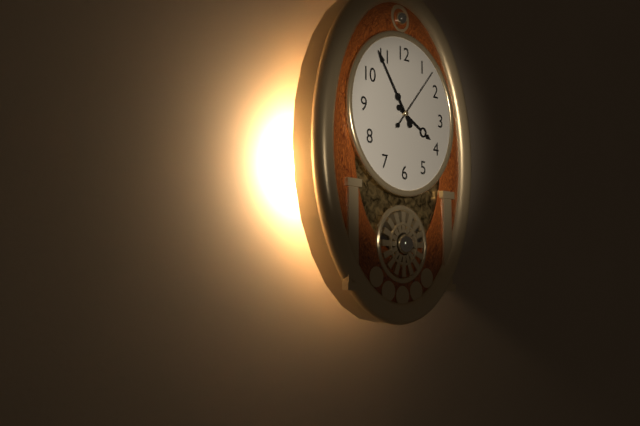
{"hour": 3, "minute": 54, "second": 7}
